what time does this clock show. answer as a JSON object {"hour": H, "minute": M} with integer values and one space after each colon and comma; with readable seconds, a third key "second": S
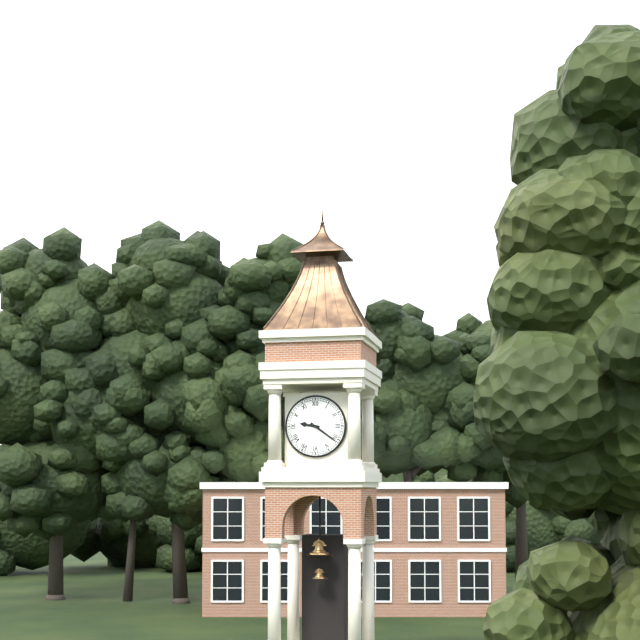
{"hour": 9, "minute": 21}
